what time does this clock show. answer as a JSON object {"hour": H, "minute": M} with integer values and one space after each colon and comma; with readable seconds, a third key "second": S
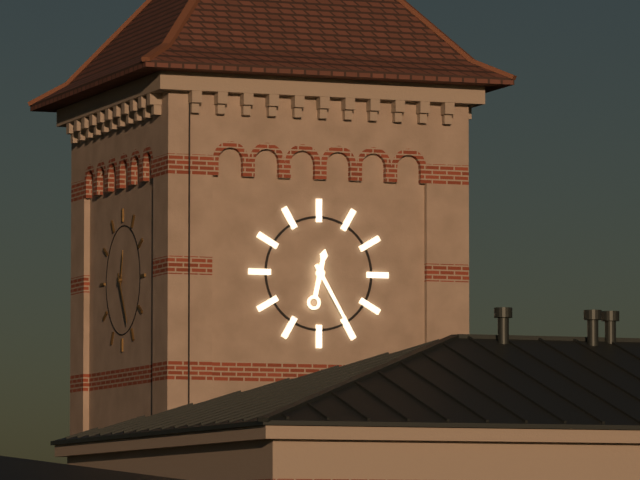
{"hour": 12, "minute": 25}
